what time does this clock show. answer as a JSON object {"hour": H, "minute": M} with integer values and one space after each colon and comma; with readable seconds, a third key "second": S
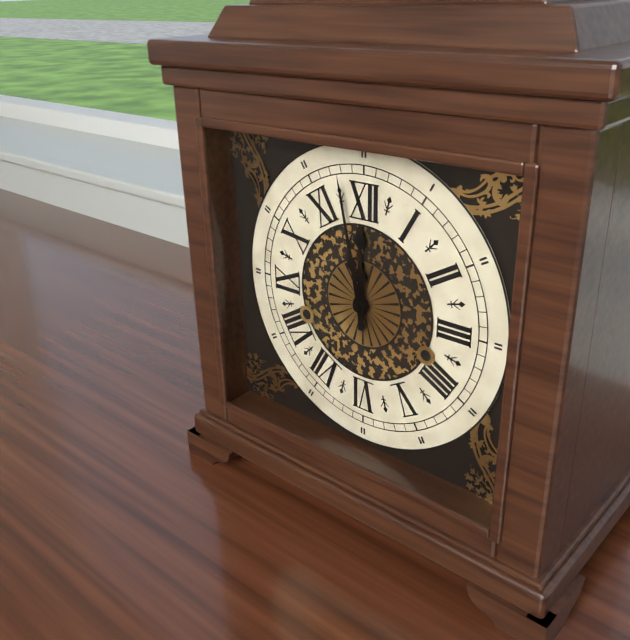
{"hour": 11, "minute": 58}
